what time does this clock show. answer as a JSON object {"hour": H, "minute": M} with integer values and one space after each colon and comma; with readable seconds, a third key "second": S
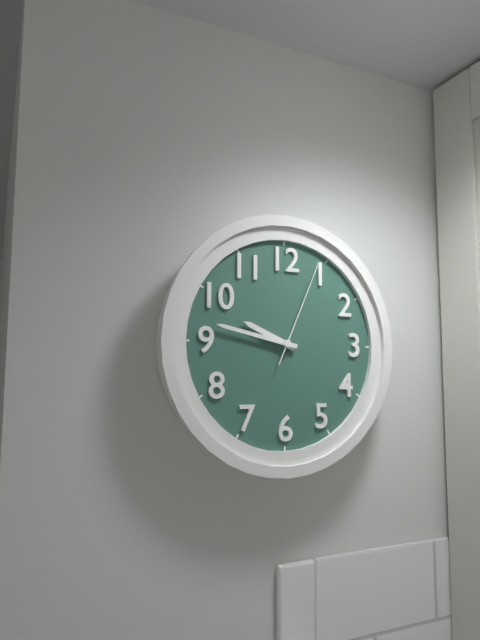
{"hour": 9, "minute": 47, "second": 4}
